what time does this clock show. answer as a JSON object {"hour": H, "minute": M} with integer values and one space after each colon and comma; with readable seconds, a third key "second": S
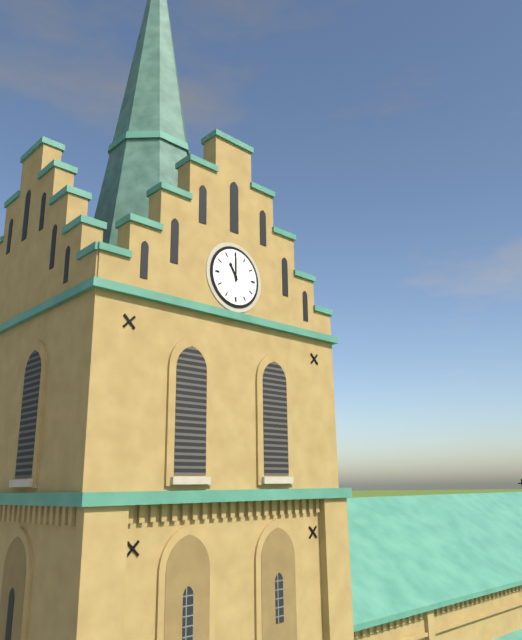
{"hour": 11, "minute": 0}
